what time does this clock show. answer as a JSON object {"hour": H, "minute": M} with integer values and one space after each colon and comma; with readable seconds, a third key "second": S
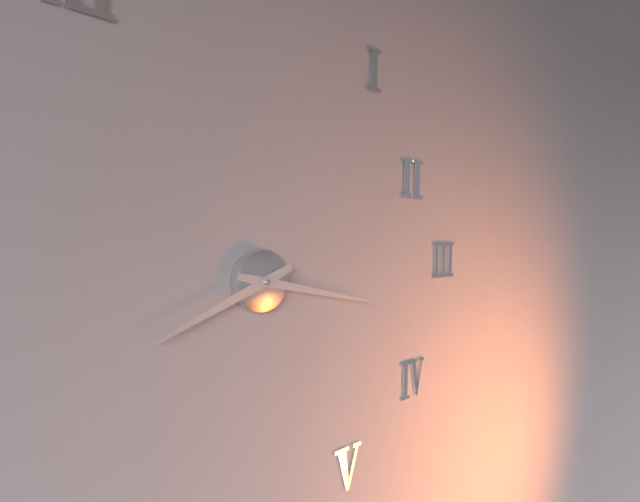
{"hour": 8, "minute": 17}
